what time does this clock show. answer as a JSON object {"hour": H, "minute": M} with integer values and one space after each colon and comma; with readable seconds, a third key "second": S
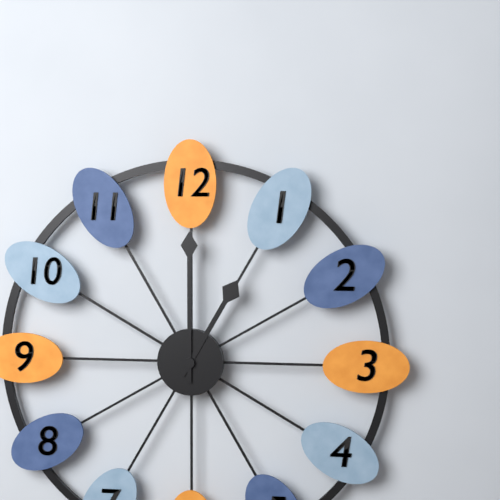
{"hour": 1, "minute": 0}
